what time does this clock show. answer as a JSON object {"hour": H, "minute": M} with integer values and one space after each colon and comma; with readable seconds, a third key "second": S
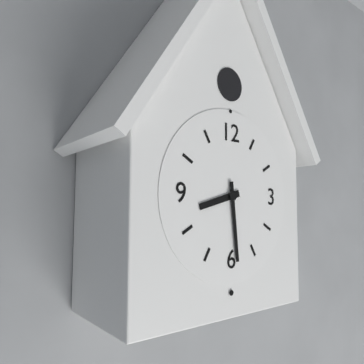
{"hour": 8, "minute": 29}
